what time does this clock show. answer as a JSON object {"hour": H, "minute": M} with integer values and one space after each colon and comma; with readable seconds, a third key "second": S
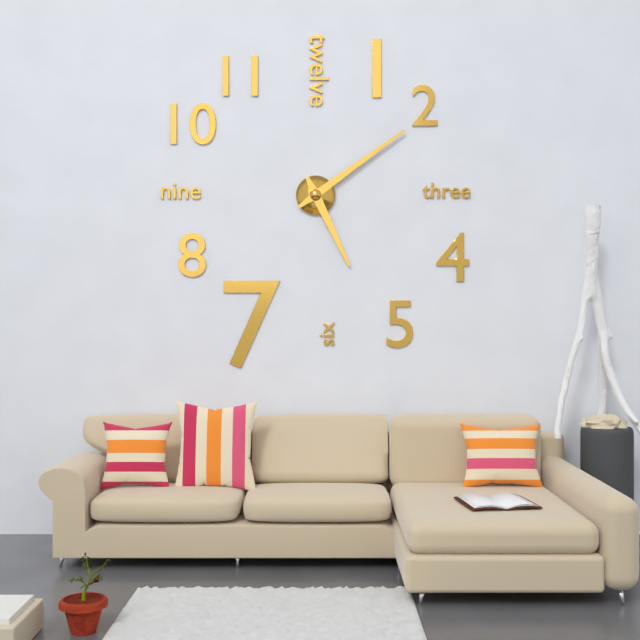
{"hour": 5, "minute": 9}
